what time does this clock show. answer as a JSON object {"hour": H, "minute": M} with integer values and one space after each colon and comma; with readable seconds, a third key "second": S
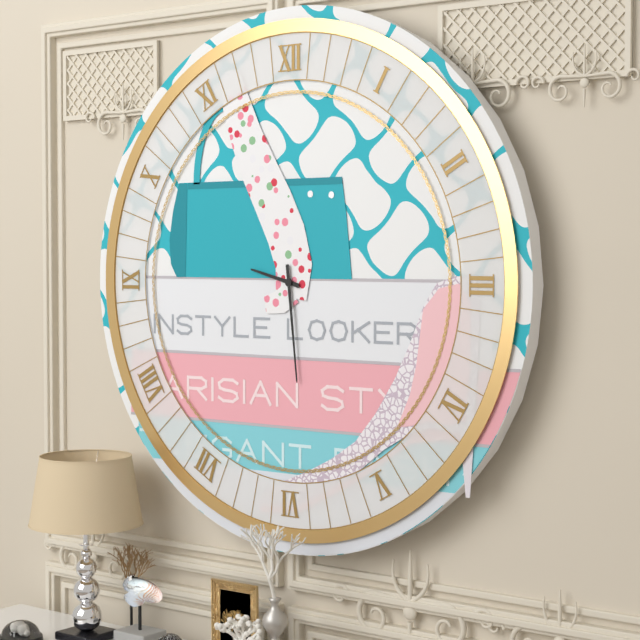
{"hour": 9, "minute": 29}
